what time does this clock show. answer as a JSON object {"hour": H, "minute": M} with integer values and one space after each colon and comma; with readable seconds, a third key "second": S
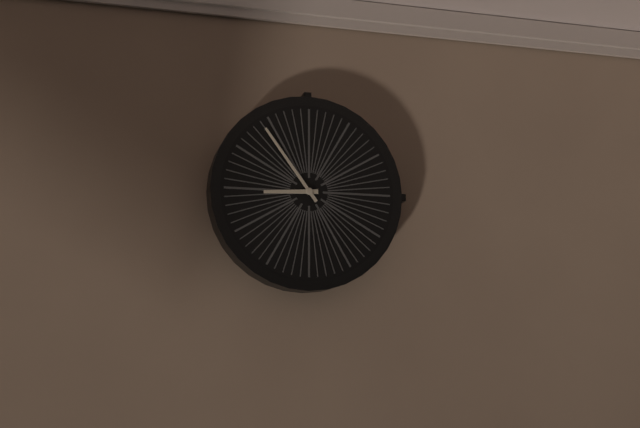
{"hour": 8, "minute": 54}
